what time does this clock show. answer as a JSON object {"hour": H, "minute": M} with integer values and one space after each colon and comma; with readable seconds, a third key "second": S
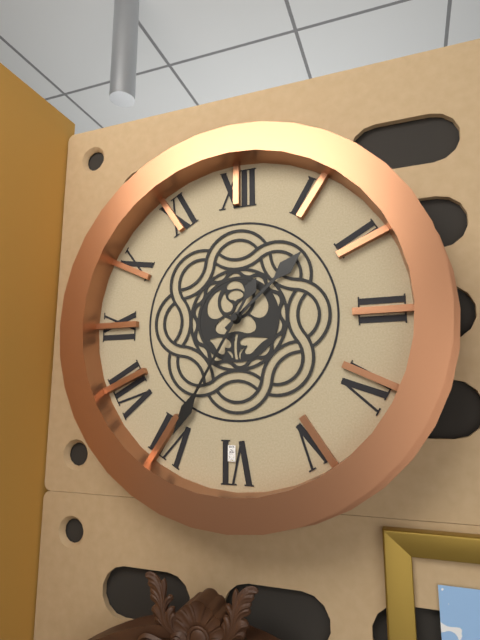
{"hour": 1, "minute": 35}
